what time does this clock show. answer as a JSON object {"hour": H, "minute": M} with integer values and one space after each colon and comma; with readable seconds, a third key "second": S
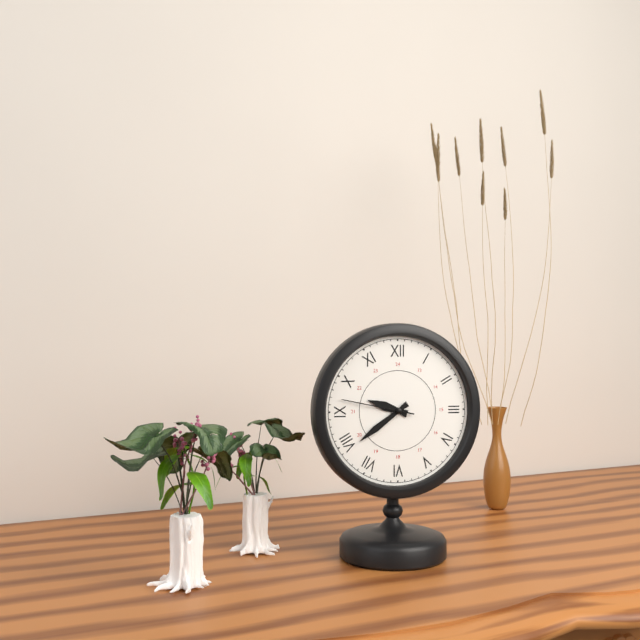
{"hour": 9, "minute": 39, "second": 47}
